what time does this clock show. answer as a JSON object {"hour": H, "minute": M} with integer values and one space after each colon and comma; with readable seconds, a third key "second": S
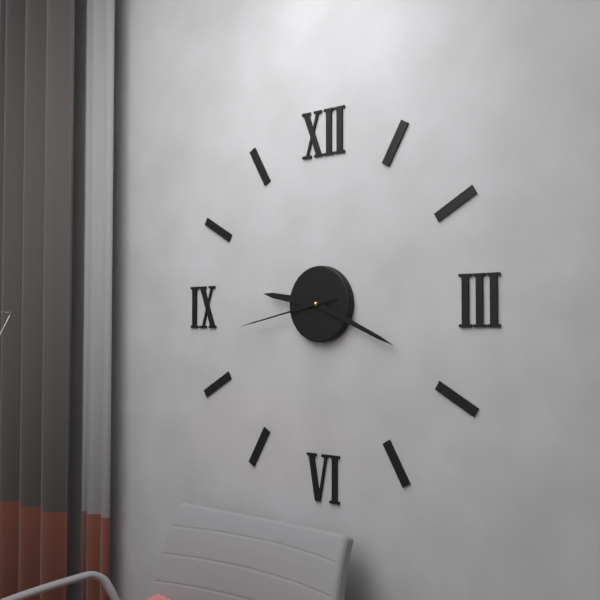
{"hour": 9, "minute": 19, "second": 43}
